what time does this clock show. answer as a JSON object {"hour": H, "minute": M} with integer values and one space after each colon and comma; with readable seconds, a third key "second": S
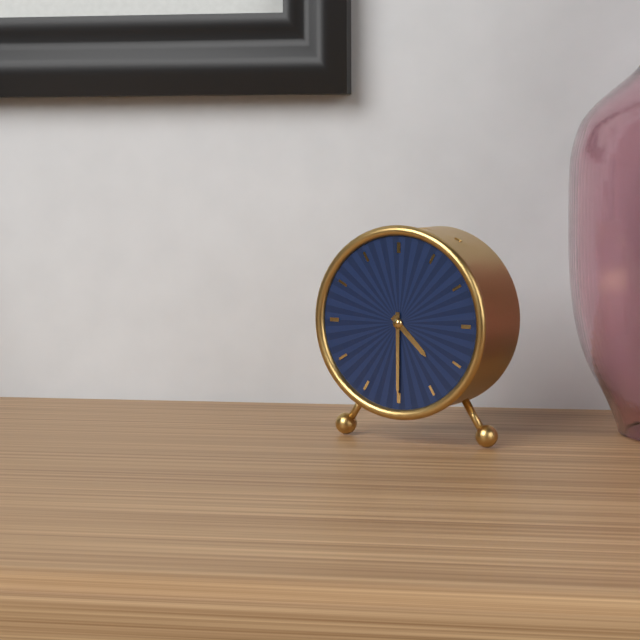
{"hour": 4, "minute": 30}
